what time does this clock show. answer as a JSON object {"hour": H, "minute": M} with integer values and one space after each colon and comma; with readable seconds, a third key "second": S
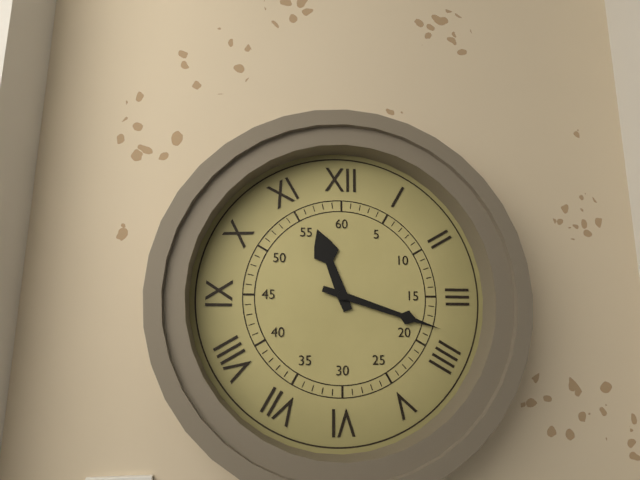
{"hour": 11, "minute": 18}
